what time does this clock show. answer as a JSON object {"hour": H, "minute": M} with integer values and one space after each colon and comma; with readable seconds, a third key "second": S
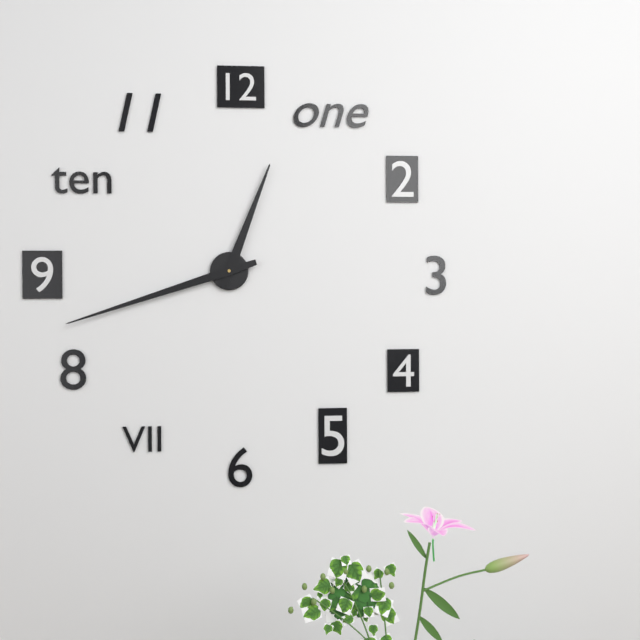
{"hour": 12, "minute": 42}
